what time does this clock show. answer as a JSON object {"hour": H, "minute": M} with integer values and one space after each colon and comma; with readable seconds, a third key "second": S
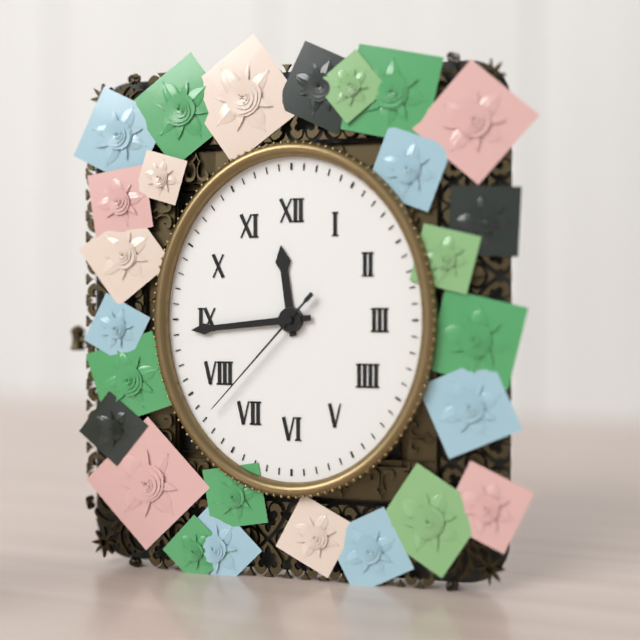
{"hour": 11, "minute": 44, "second": 37}
